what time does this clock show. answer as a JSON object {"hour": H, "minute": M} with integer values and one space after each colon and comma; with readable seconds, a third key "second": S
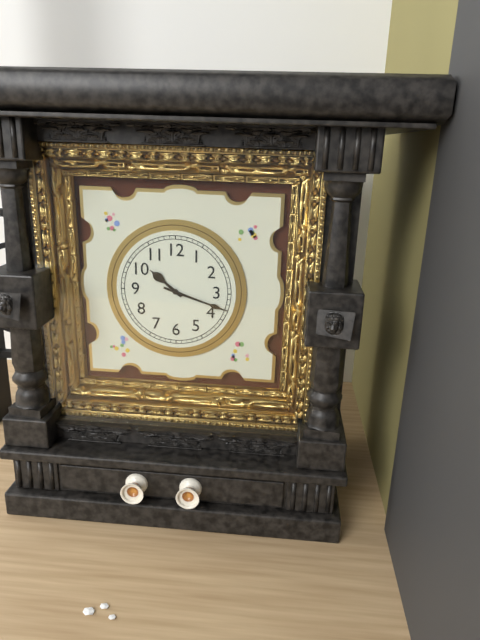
{"hour": 10, "minute": 18}
